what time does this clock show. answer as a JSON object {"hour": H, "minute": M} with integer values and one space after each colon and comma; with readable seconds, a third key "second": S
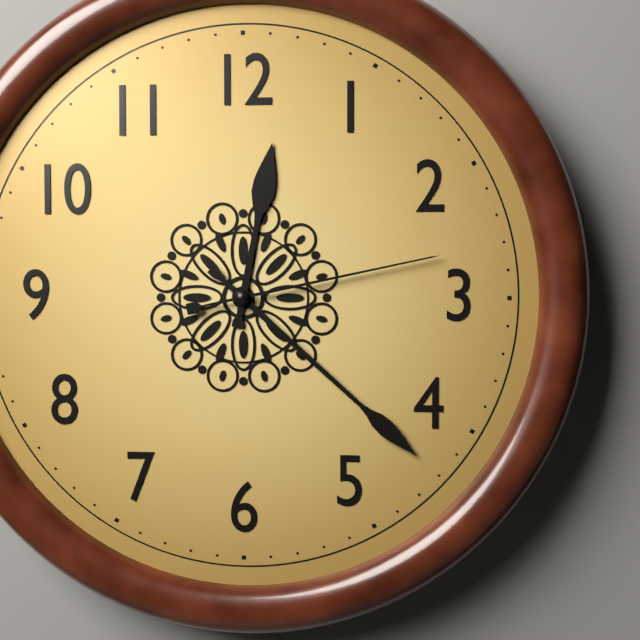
{"hour": 12, "minute": 22, "second": 13}
